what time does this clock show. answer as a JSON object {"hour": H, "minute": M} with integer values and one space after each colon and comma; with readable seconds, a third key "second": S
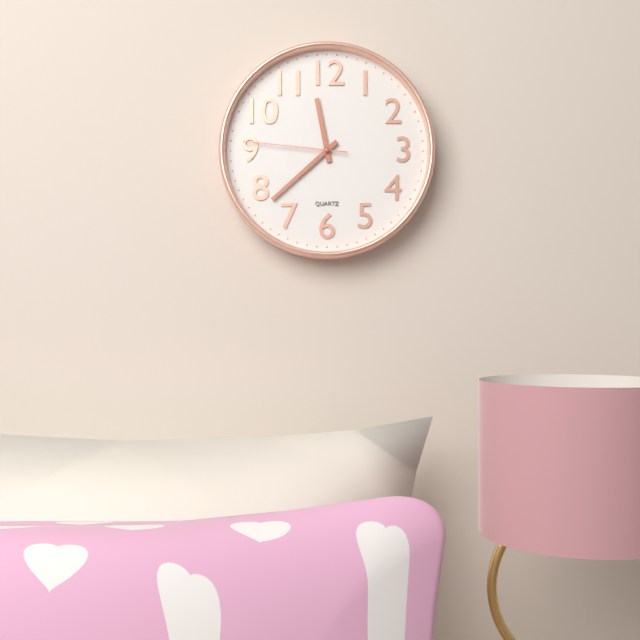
{"hour": 11, "minute": 38, "second": 46}
